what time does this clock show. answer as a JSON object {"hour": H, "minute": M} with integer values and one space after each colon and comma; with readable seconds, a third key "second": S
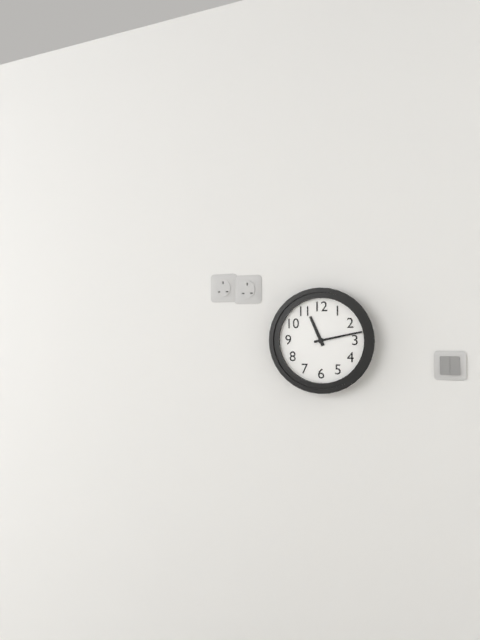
{"hour": 11, "minute": 13}
